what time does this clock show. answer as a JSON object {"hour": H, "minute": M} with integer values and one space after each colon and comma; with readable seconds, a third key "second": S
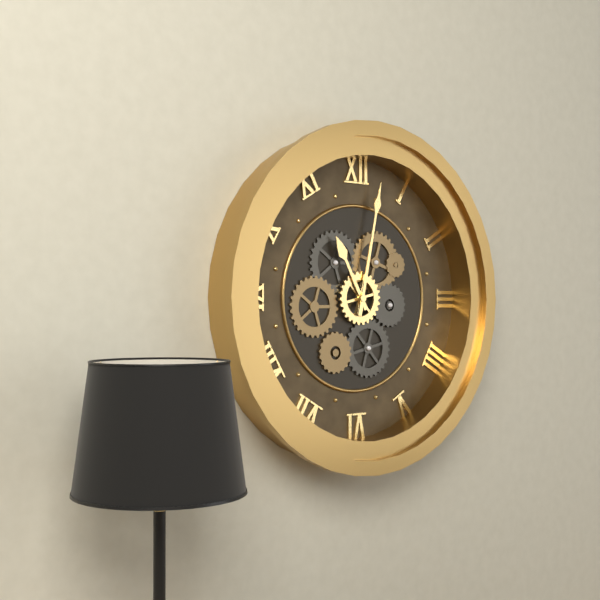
{"hour": 11, "minute": 2}
